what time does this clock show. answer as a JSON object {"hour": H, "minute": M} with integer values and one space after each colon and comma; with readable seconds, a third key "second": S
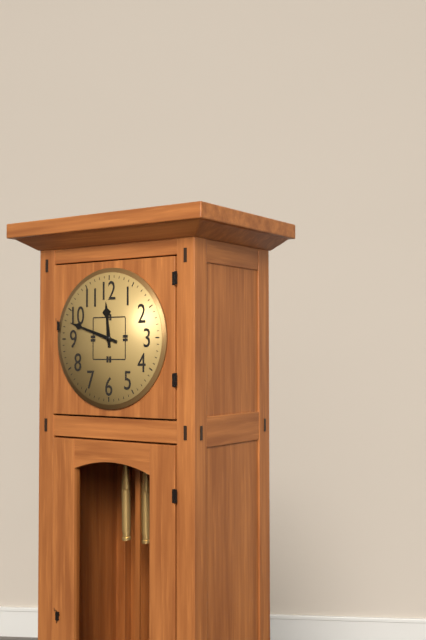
{"hour": 11, "minute": 48}
